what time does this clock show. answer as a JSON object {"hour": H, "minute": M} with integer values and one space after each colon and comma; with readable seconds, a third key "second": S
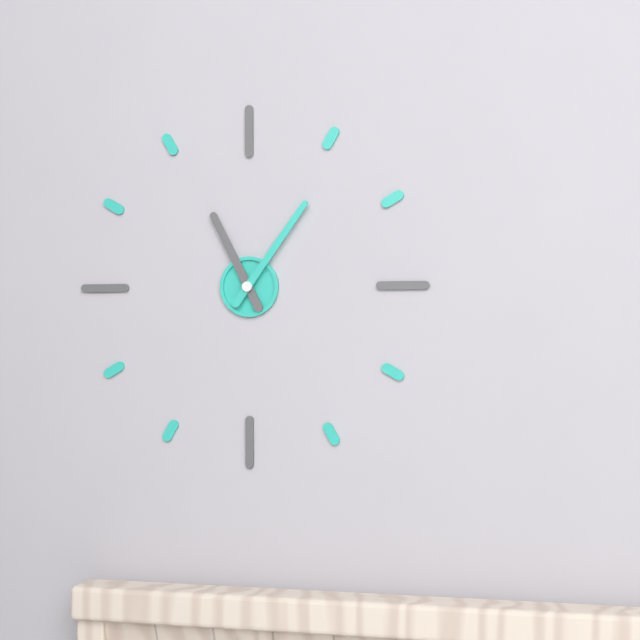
{"hour": 11, "minute": 6}
